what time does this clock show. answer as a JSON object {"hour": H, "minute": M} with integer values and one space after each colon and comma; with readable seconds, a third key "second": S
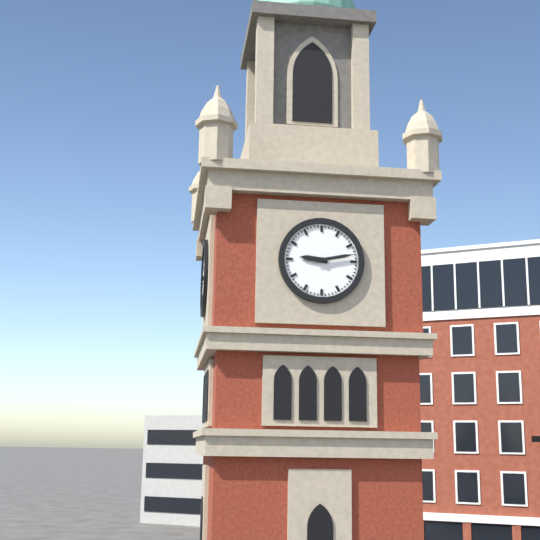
{"hour": 9, "minute": 13}
